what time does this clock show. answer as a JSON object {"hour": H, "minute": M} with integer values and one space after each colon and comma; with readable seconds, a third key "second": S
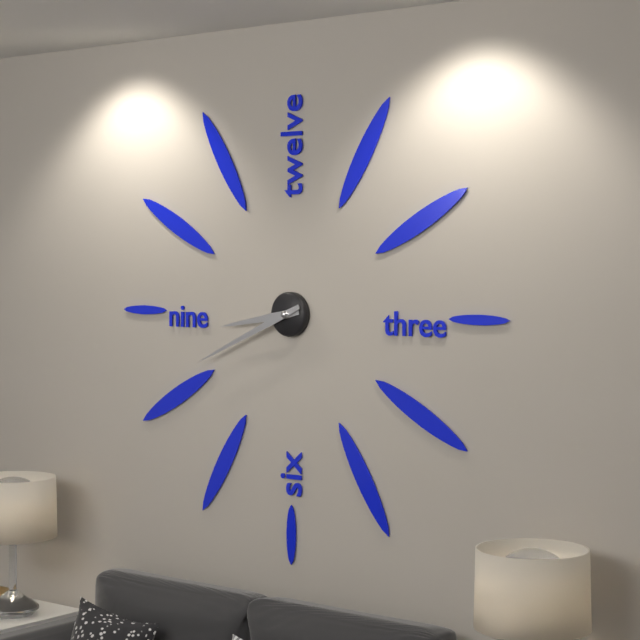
{"hour": 8, "minute": 41}
